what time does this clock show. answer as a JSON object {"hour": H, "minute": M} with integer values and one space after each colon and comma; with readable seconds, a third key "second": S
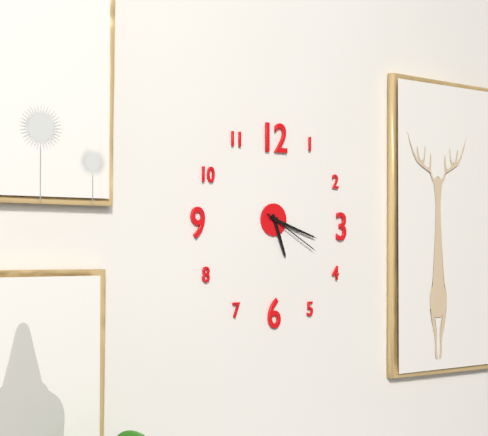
{"hour": 5, "minute": 18, "second": 20}
